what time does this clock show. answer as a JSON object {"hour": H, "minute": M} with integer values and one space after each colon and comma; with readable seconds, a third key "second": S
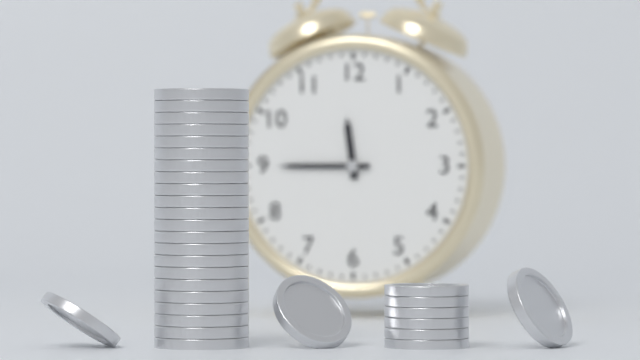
{"hour": 11, "minute": 45}
